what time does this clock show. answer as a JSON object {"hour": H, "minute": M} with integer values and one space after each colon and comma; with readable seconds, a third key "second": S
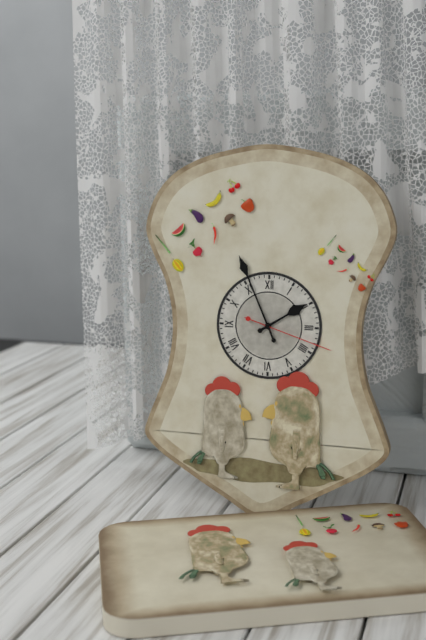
{"hour": 1, "minute": 56, "second": 18}
